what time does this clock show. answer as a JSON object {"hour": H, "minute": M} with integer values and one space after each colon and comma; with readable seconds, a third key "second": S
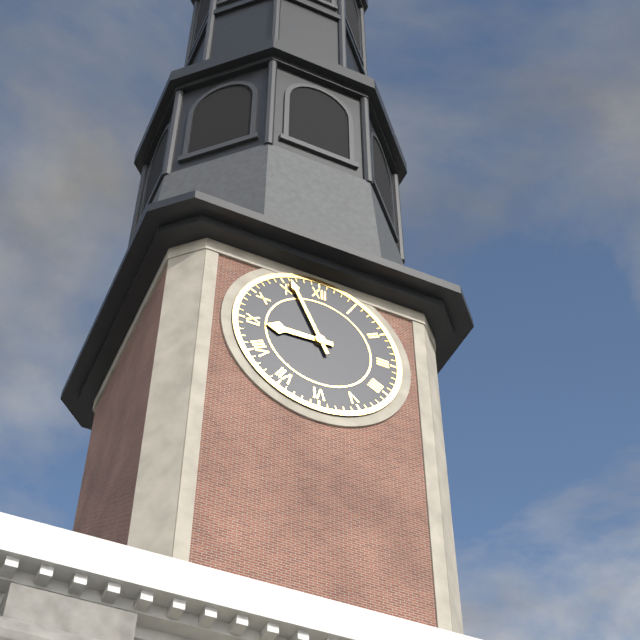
{"hour": 8, "minute": 56}
